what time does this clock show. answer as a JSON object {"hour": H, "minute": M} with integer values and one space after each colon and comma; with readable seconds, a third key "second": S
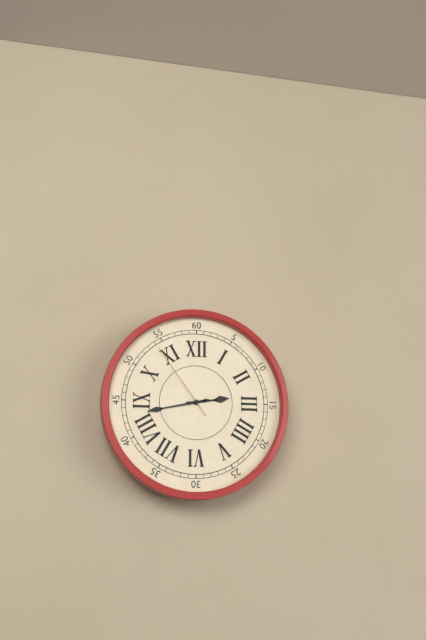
{"hour": 2, "minute": 43, "second": 54}
